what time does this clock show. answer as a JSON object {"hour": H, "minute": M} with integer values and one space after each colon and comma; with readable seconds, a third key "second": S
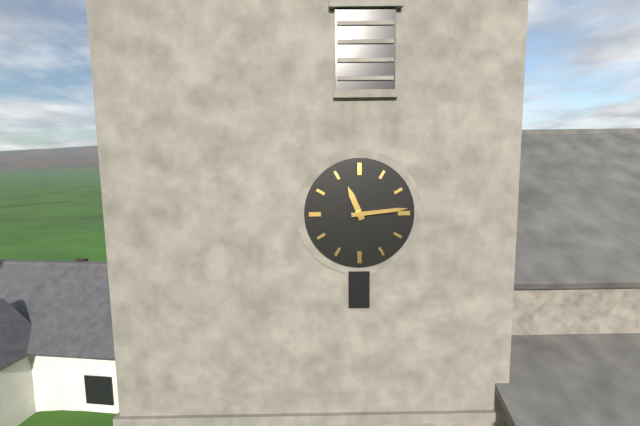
{"hour": 11, "minute": 14}
